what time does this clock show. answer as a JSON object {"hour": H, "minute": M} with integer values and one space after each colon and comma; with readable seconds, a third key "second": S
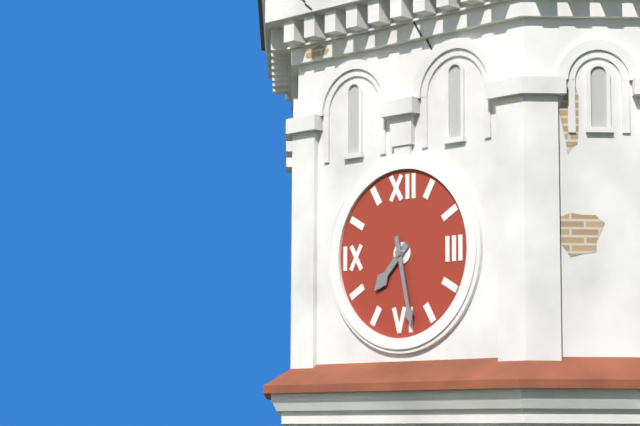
{"hour": 7, "minute": 28}
